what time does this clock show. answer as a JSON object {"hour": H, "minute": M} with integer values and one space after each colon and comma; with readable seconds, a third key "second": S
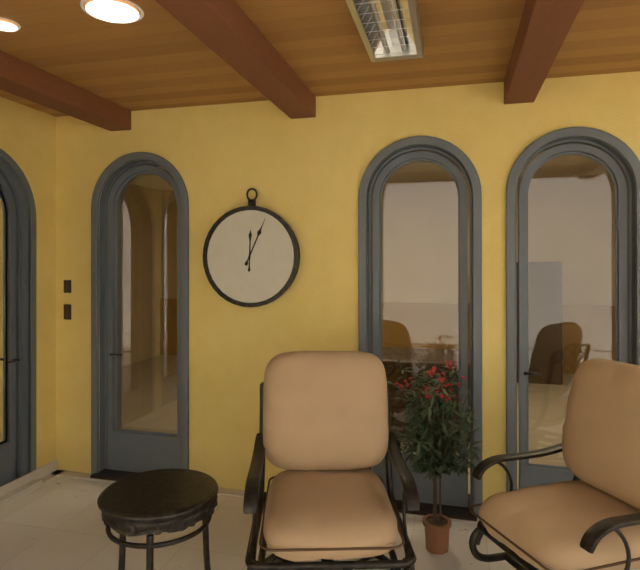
{"hour": 12, "minute": 4}
